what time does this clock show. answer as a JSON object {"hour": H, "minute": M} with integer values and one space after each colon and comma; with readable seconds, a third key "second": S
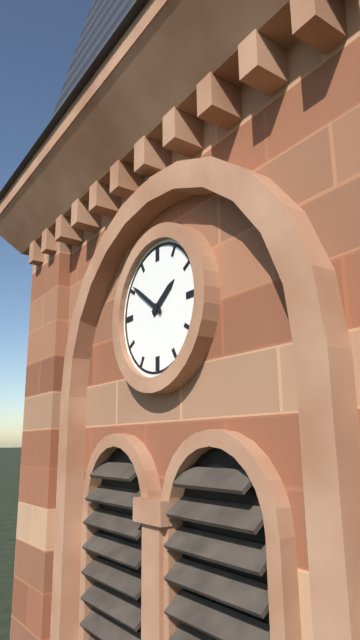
{"hour": 1, "minute": 51}
